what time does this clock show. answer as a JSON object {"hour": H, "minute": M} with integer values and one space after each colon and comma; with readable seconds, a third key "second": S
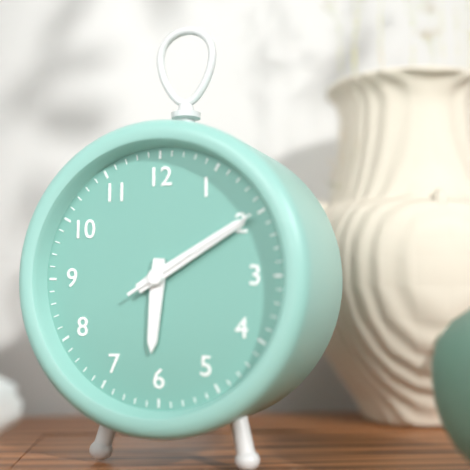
{"hour": 6, "minute": 10, "second": 10}
